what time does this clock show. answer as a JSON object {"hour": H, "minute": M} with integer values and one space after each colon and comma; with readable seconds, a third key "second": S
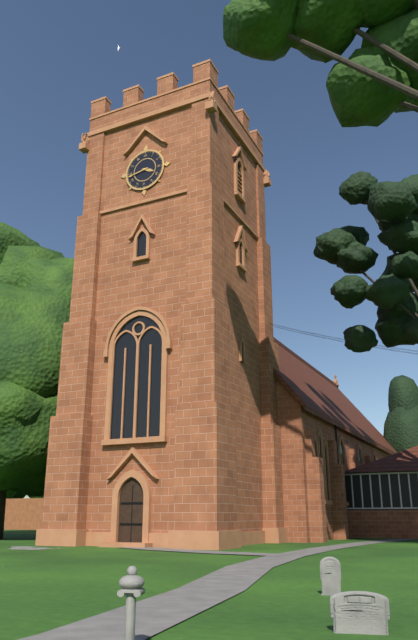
{"hour": 3, "minute": 43}
